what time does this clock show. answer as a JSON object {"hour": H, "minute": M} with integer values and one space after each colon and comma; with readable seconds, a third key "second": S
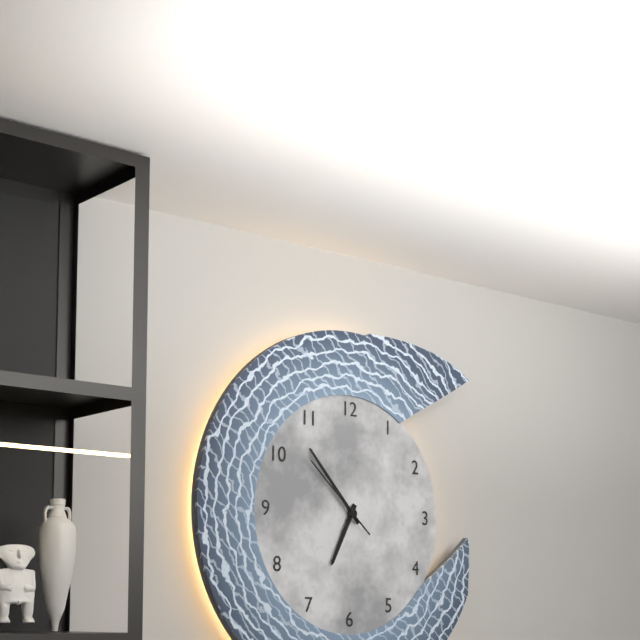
{"hour": 6, "minute": 53, "second": 52}
